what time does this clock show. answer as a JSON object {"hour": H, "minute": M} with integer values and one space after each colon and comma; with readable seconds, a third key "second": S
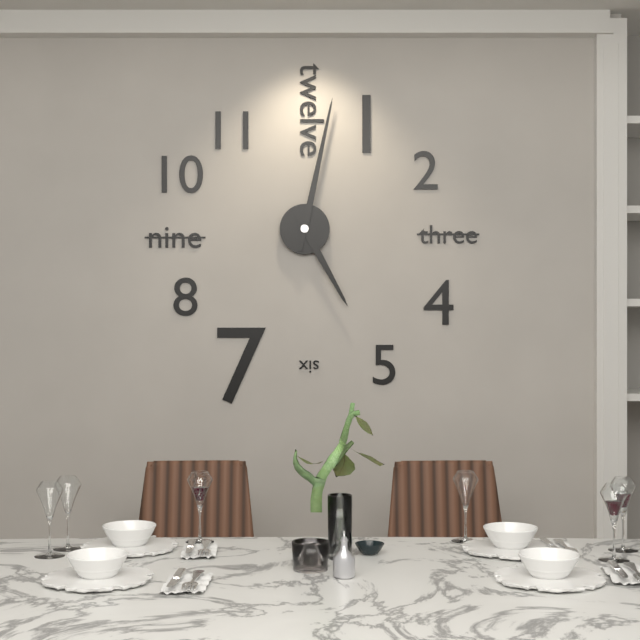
{"hour": 5, "minute": 2}
